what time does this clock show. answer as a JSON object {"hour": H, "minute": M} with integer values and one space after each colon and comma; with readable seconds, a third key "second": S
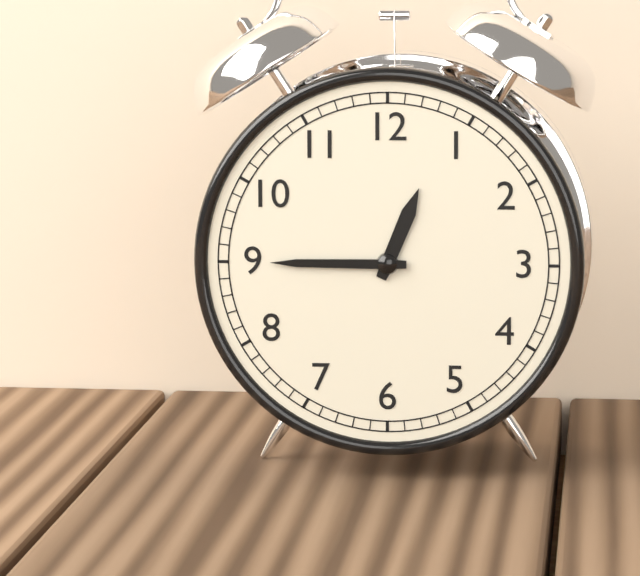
{"hour": 12, "minute": 45}
